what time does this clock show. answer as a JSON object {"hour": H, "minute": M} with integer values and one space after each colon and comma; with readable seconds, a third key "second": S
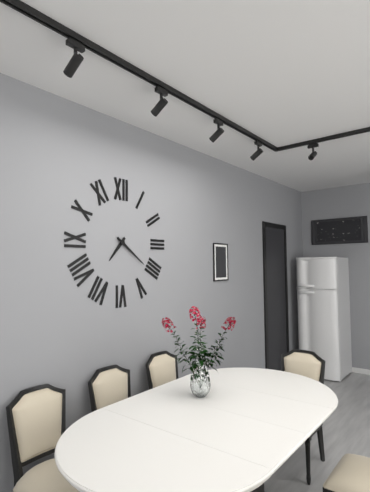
{"hour": 7, "minute": 21}
